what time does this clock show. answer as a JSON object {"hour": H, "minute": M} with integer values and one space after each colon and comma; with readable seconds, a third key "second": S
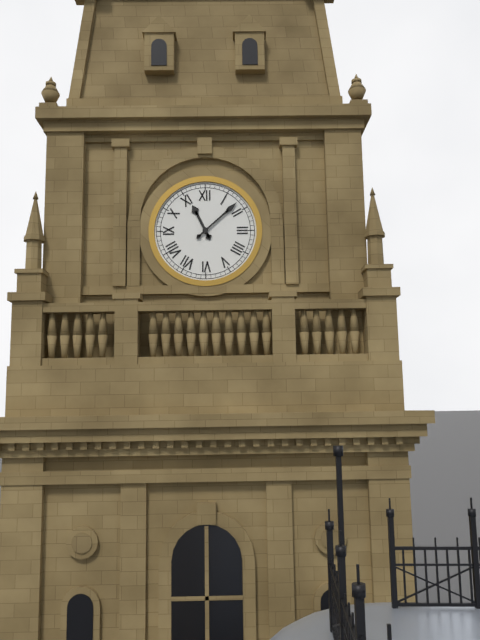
{"hour": 11, "minute": 8}
